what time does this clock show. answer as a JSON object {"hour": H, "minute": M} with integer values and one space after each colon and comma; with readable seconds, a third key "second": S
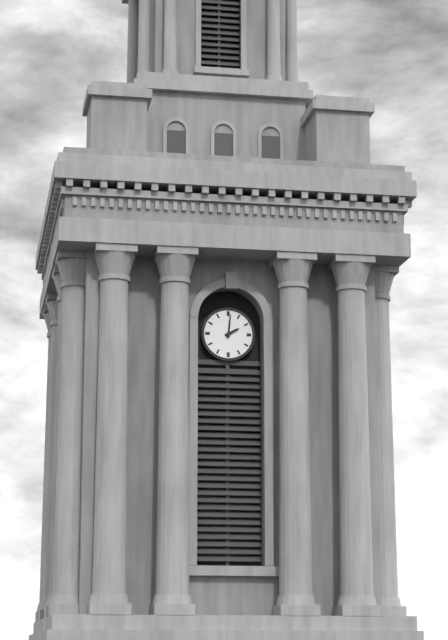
{"hour": 2, "minute": 1}
